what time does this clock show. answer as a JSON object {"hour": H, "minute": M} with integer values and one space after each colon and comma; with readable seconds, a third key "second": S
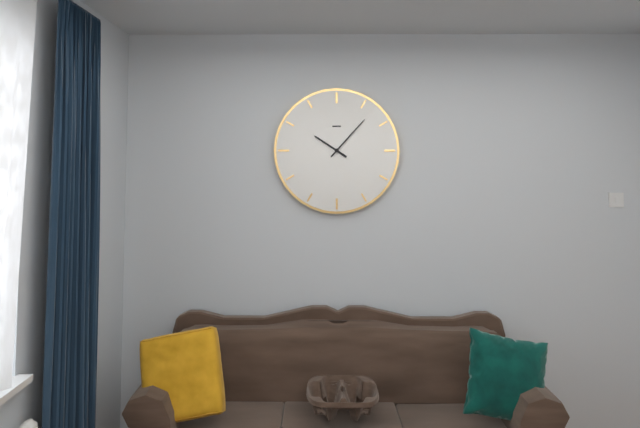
{"hour": 10, "minute": 7}
